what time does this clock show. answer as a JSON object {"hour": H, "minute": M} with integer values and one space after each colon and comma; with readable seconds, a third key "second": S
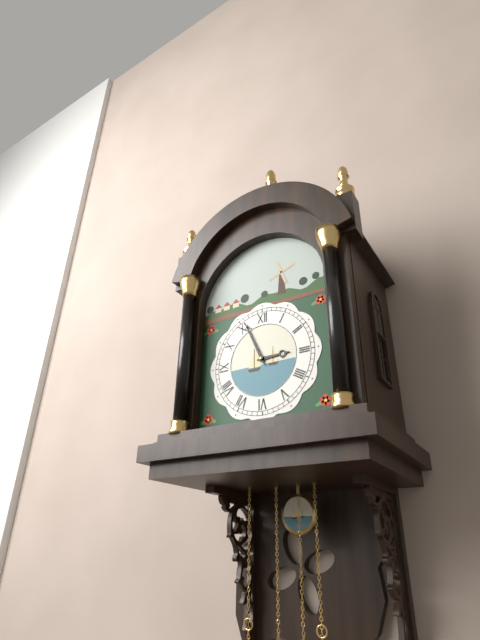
{"hour": 2, "minute": 56}
